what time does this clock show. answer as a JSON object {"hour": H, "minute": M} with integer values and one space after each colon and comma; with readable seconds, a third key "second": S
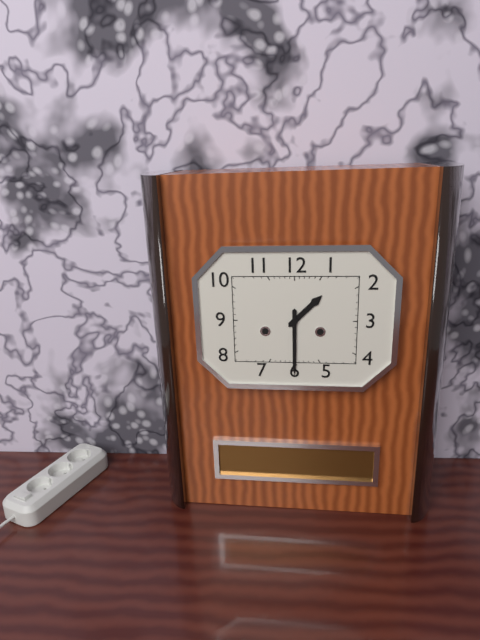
{"hour": 1, "minute": 30}
